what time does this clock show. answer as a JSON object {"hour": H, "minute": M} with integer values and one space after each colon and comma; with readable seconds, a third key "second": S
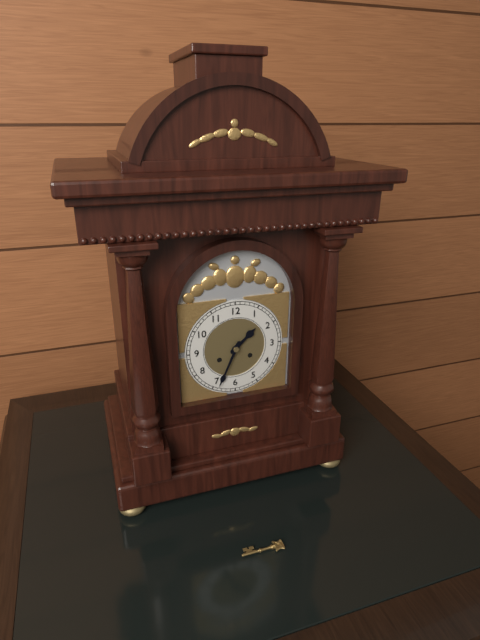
{"hour": 1, "minute": 34}
